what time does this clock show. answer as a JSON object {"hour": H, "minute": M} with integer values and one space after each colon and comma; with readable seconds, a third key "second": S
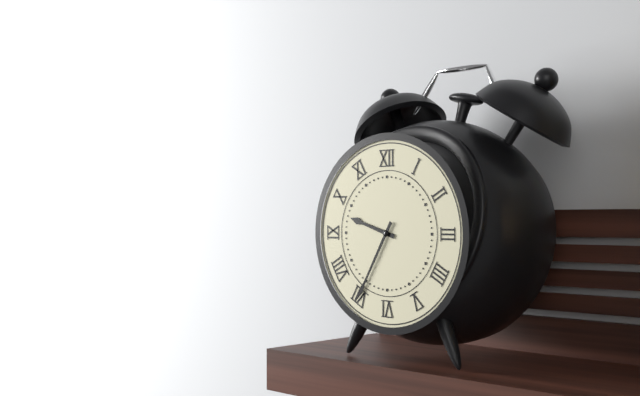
{"hour": 9, "minute": 35}
